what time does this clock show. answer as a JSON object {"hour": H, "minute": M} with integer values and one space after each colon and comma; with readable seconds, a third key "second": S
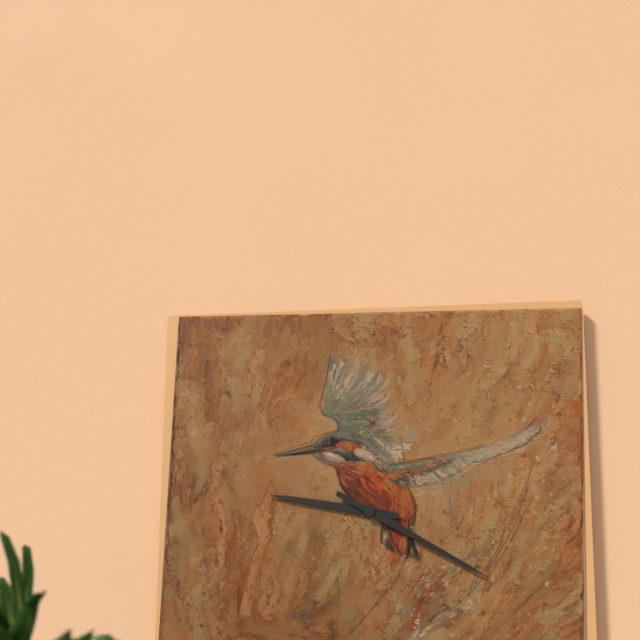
{"hour": 9, "minute": 20}
